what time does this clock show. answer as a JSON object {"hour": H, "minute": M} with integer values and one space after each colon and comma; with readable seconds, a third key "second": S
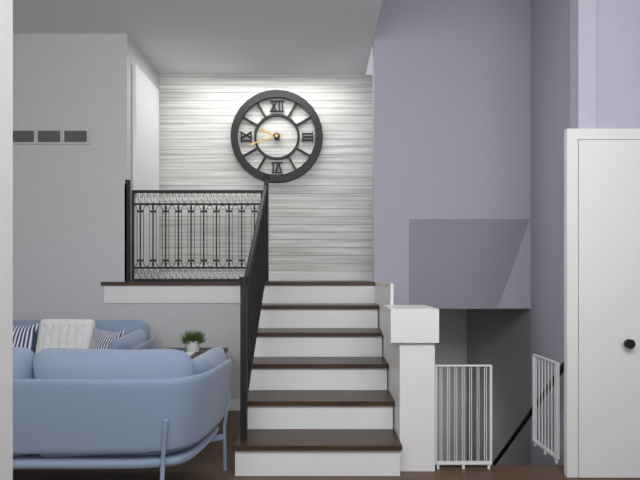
{"hour": 9, "minute": 42}
